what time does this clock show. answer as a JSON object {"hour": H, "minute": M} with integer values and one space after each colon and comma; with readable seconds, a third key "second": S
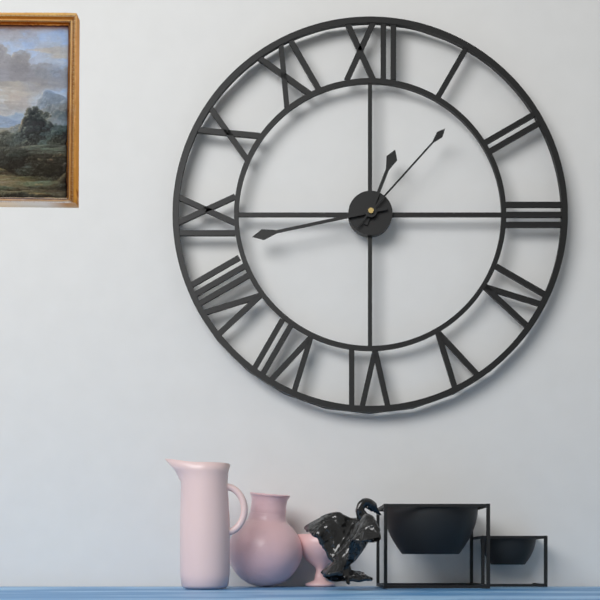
{"hour": 12, "minute": 43, "second": 7}
